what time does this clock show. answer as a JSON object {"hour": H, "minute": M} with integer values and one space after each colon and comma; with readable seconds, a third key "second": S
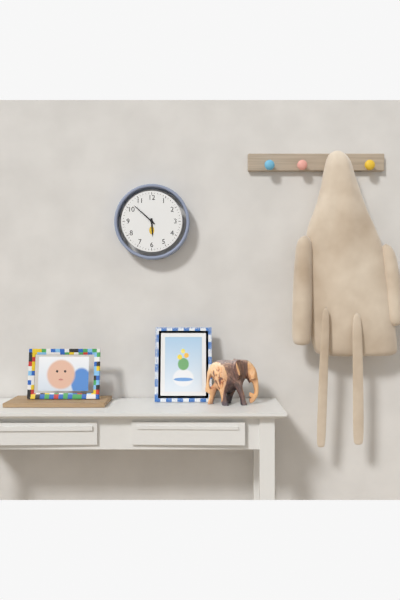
{"hour": 5, "minute": 52}
